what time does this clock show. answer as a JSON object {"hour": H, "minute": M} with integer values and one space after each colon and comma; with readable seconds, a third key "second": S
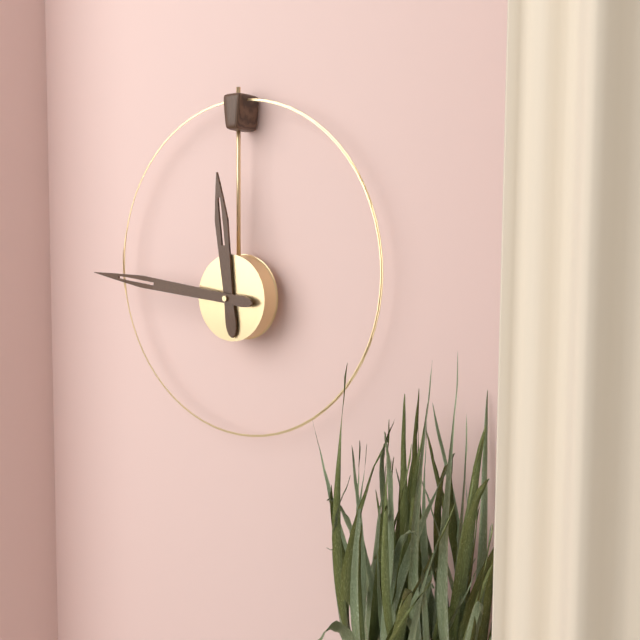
{"hour": 11, "minute": 46}
